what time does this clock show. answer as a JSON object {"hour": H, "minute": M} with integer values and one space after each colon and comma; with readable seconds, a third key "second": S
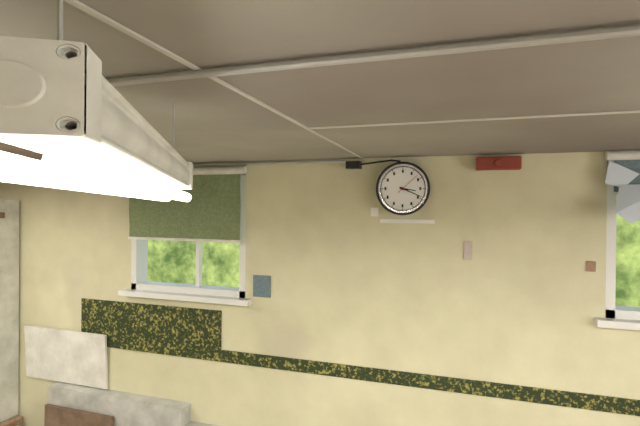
{"hour": 3, "minute": 19}
